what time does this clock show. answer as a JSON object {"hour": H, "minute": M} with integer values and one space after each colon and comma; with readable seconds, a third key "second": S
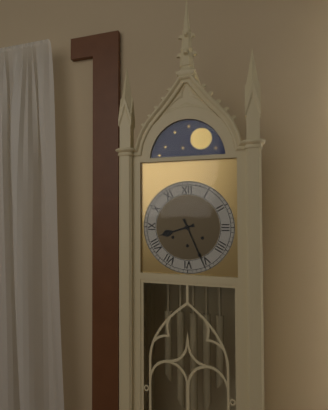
{"hour": 8, "minute": 26}
